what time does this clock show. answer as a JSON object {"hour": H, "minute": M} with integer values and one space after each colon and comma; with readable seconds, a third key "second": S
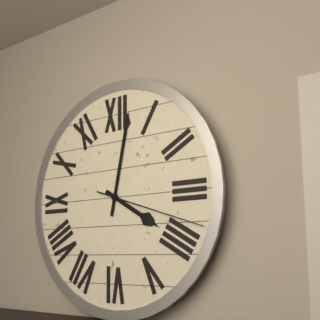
{"hour": 4, "minute": 2, "second": 18}
